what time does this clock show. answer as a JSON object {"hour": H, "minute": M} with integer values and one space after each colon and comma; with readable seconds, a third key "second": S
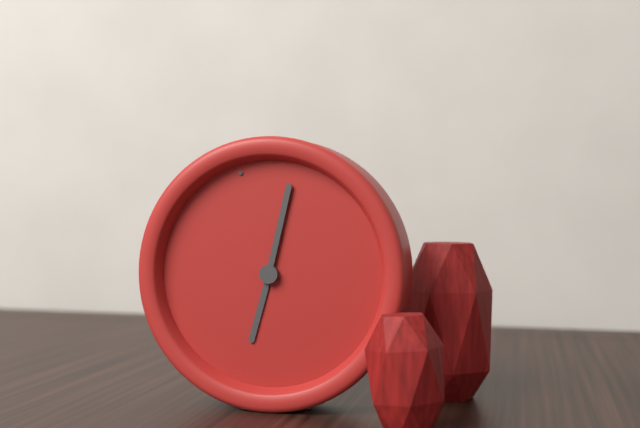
{"hour": 7, "minute": 5}
